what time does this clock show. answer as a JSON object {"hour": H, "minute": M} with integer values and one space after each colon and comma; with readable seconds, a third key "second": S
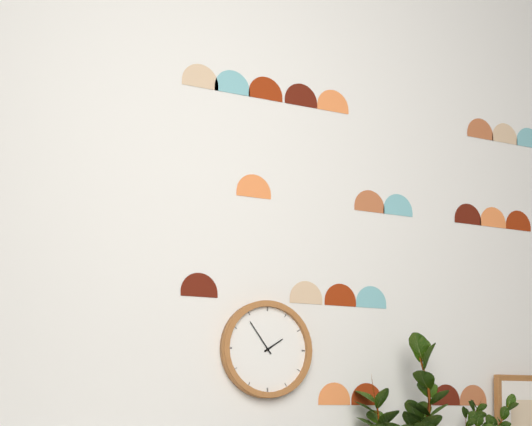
{"hour": 1, "minute": 54}
